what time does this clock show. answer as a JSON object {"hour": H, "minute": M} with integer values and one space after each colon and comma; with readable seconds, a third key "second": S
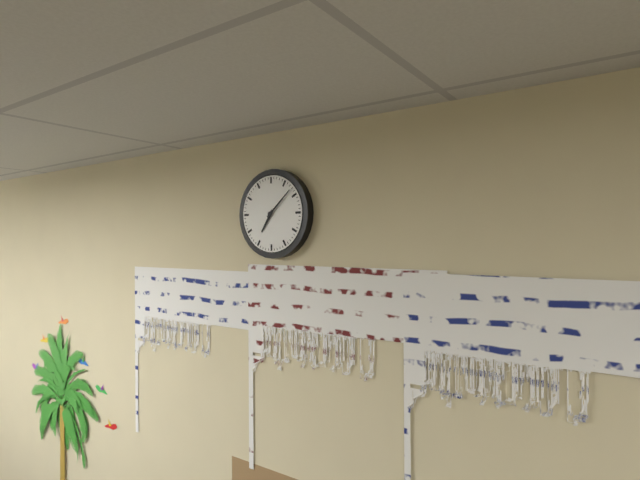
{"hour": 7, "minute": 8}
